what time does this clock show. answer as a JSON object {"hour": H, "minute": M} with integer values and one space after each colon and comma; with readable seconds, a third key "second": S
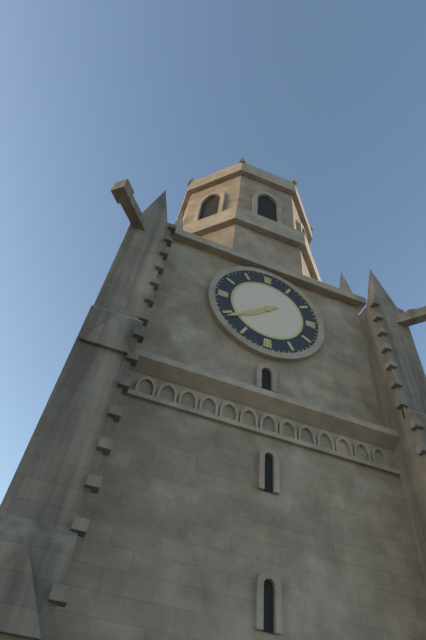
{"hour": 7, "minute": 39}
